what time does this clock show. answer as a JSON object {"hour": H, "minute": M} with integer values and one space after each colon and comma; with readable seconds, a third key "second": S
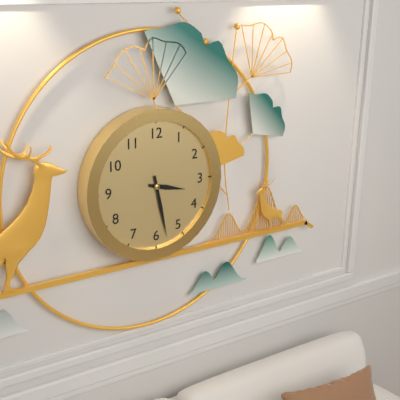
{"hour": 3, "minute": 28}
